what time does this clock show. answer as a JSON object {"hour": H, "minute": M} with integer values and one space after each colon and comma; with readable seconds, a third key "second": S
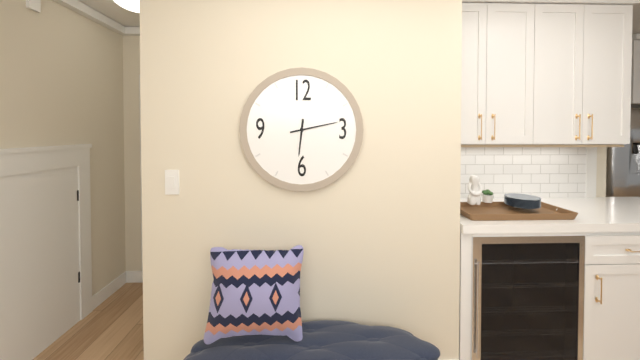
{"hour": 6, "minute": 13}
